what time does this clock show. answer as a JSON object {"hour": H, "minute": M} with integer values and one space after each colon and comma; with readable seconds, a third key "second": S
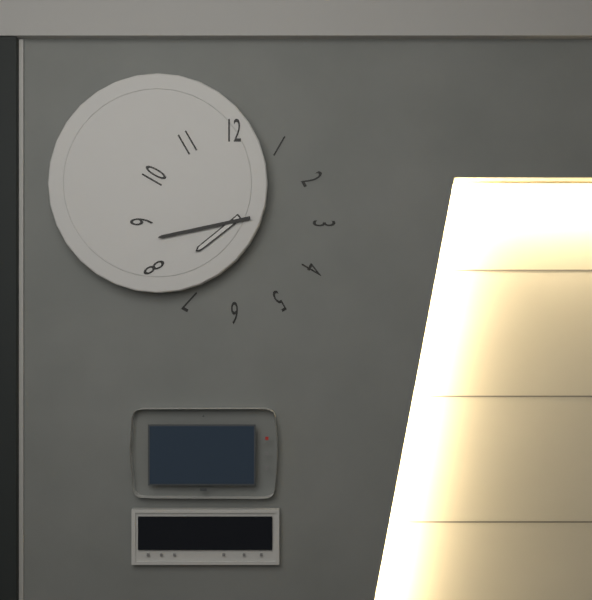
{"hour": 7, "minute": 43}
